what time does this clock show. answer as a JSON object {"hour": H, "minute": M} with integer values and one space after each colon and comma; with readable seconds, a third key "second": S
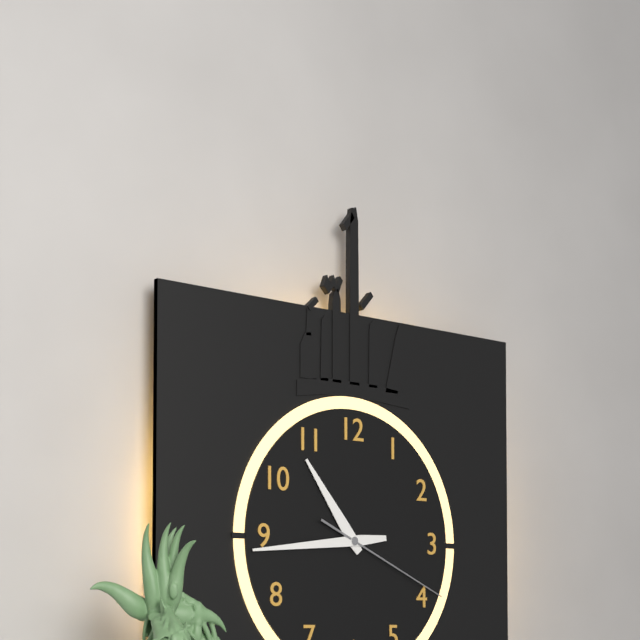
{"hour": 10, "minute": 44, "second": 19}
